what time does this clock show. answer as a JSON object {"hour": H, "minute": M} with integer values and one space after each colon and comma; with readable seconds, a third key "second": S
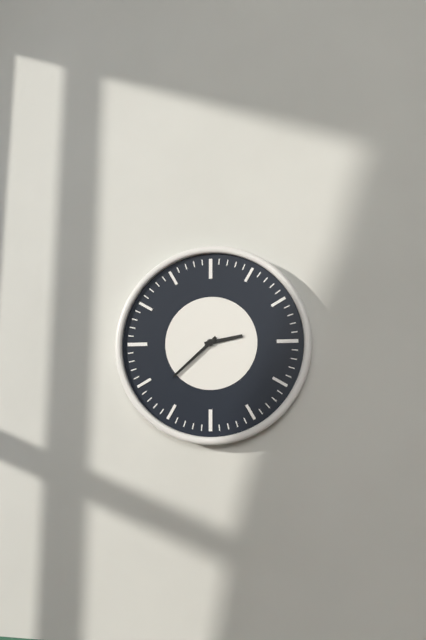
{"hour": 2, "minute": 38}
